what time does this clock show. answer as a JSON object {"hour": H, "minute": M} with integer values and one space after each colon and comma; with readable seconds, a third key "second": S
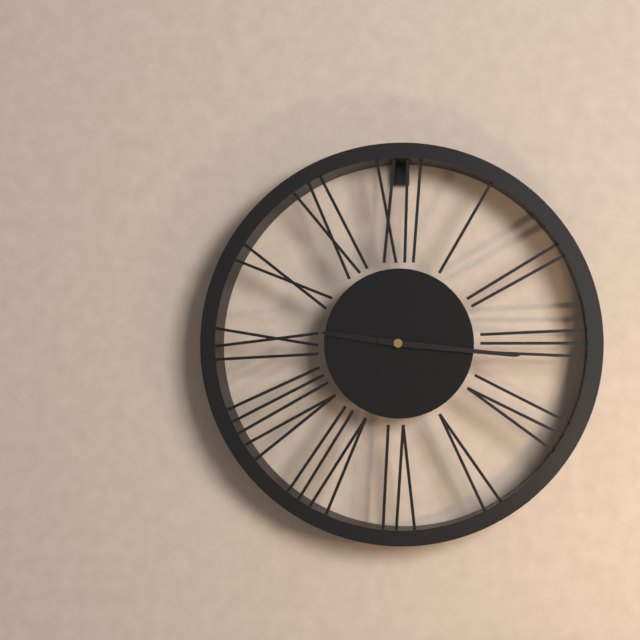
{"hour": 9, "minute": 16}
